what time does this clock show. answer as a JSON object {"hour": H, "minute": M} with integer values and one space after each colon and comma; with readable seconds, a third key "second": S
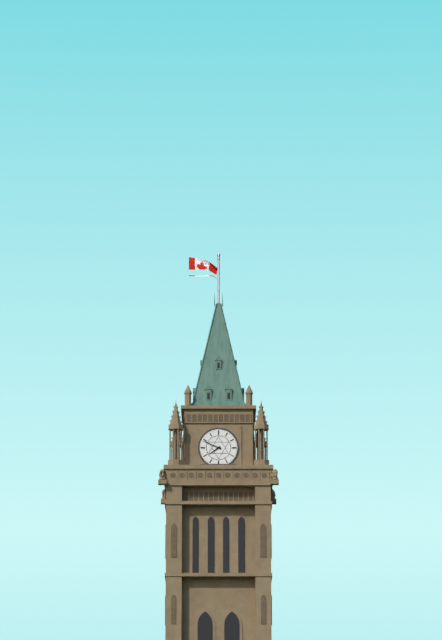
{"hour": 7, "minute": 49}
